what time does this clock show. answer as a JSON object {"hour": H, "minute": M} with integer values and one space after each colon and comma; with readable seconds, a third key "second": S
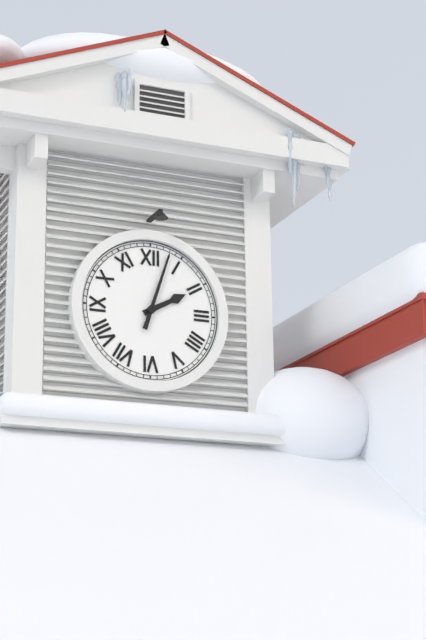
{"hour": 2, "minute": 3}
